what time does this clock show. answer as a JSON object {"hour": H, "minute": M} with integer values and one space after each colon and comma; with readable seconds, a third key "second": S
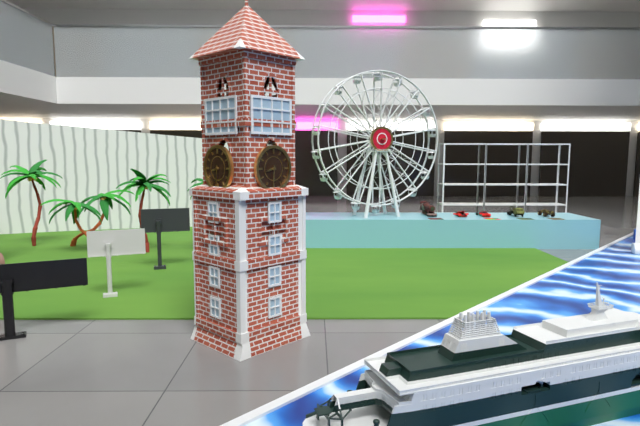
{"hour": 8, "minute": 31}
